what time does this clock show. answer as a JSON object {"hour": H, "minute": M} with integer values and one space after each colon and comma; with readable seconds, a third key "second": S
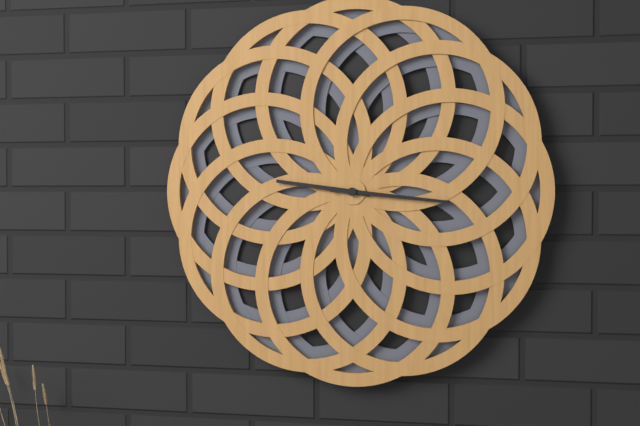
{"hour": 9, "minute": 16}
